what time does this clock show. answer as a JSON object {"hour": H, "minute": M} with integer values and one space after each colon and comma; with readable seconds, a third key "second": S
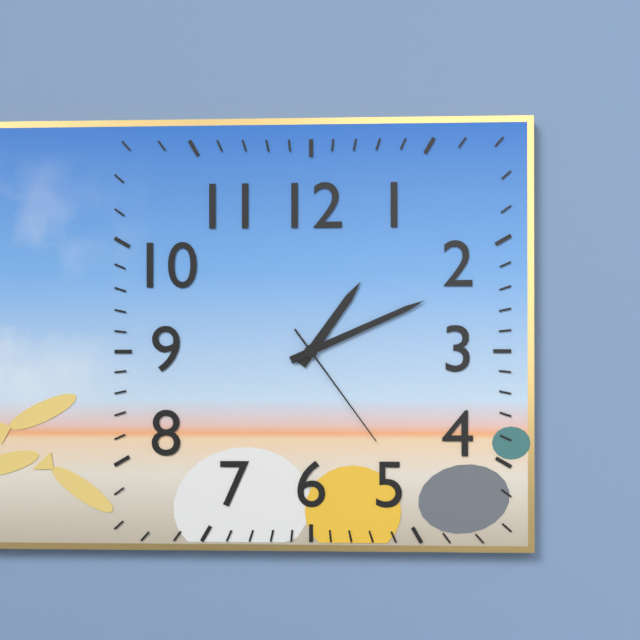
{"hour": 1, "minute": 11, "second": 24}
